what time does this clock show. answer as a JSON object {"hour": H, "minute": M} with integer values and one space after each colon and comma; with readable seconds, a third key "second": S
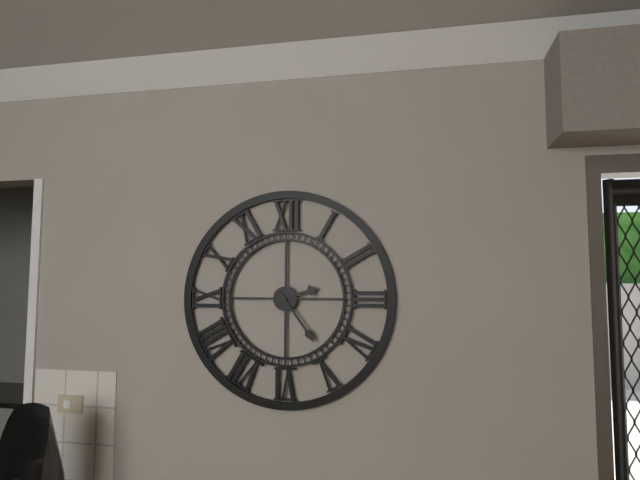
{"hour": 2, "minute": 24}
